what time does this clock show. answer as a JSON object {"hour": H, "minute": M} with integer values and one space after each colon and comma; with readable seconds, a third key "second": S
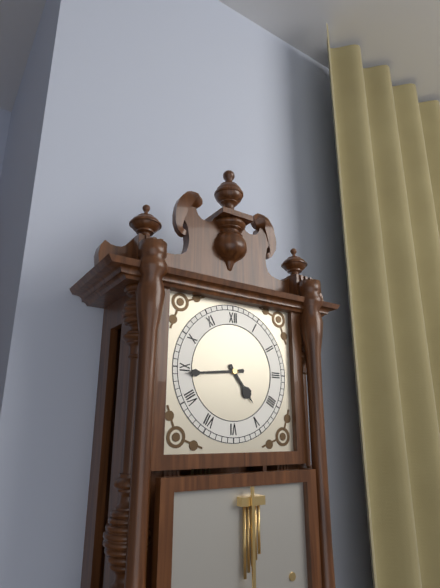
{"hour": 4, "minute": 44}
